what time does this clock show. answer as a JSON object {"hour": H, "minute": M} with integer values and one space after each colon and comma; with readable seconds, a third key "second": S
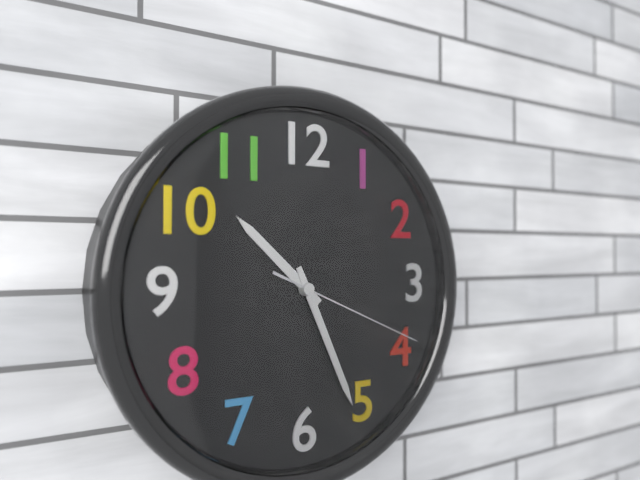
{"hour": 10, "minute": 26, "second": 19}
